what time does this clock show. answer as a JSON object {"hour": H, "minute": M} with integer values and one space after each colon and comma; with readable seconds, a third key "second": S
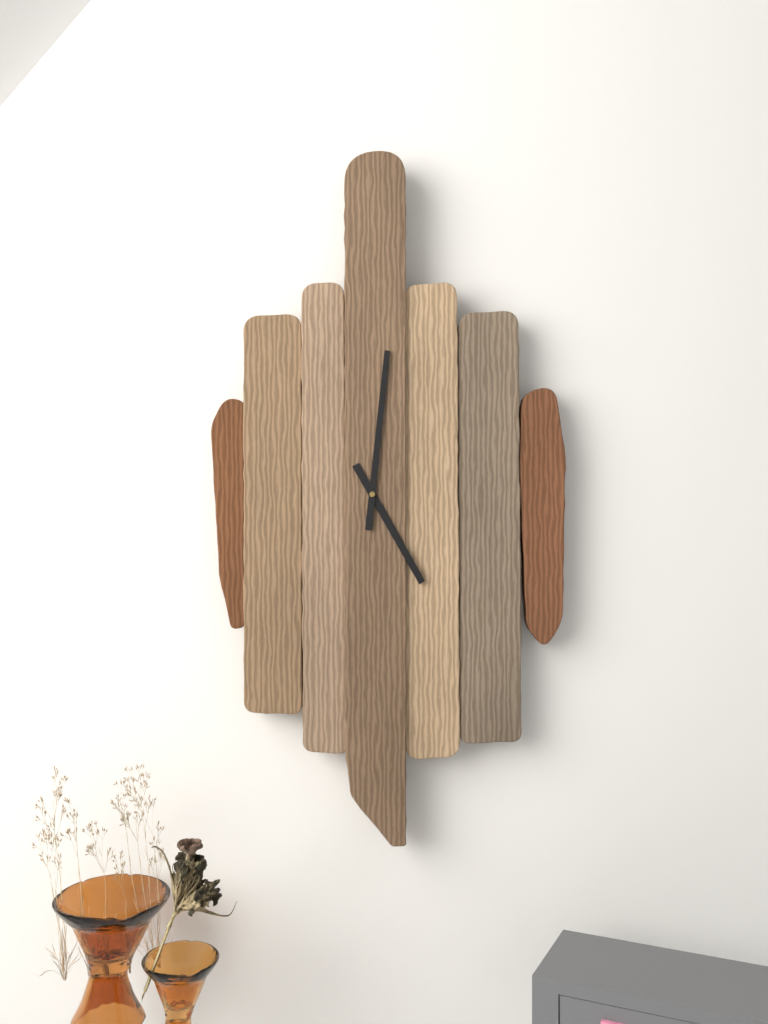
{"hour": 5, "minute": 1}
